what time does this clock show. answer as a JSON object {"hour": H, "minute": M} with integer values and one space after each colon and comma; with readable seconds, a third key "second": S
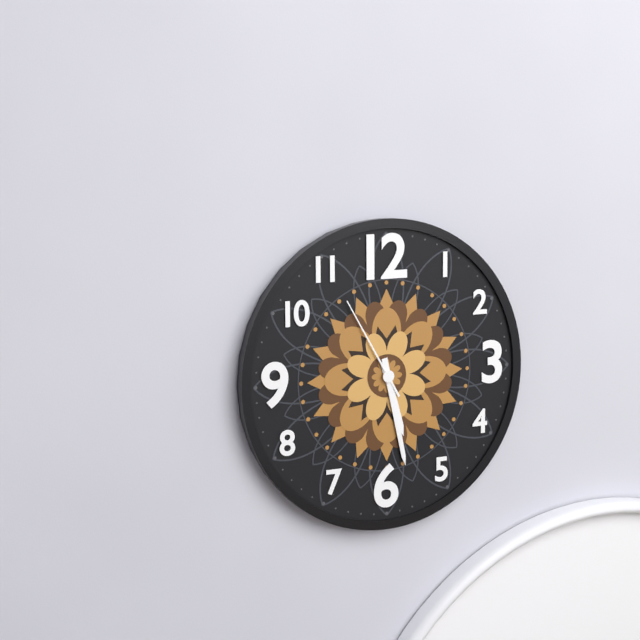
{"hour": 5, "minute": 28, "second": 55}
